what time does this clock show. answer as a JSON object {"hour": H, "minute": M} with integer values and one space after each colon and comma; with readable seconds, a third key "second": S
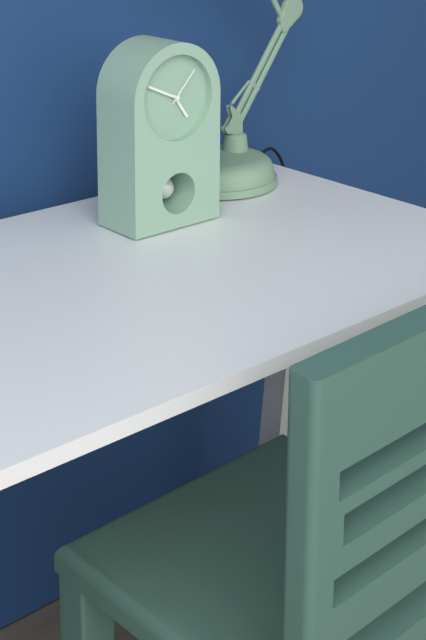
{"hour": 4, "minute": 49}
